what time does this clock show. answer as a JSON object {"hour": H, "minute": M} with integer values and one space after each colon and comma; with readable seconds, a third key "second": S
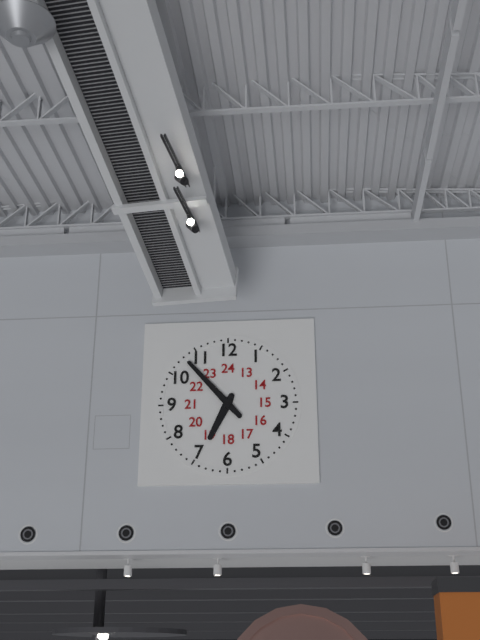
{"hour": 6, "minute": 53}
